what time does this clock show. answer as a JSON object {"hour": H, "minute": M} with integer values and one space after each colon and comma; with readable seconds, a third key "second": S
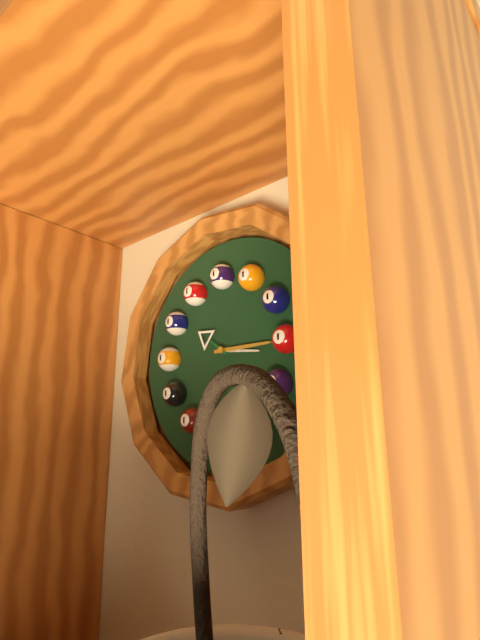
{"hour": 3, "minute": 15}
